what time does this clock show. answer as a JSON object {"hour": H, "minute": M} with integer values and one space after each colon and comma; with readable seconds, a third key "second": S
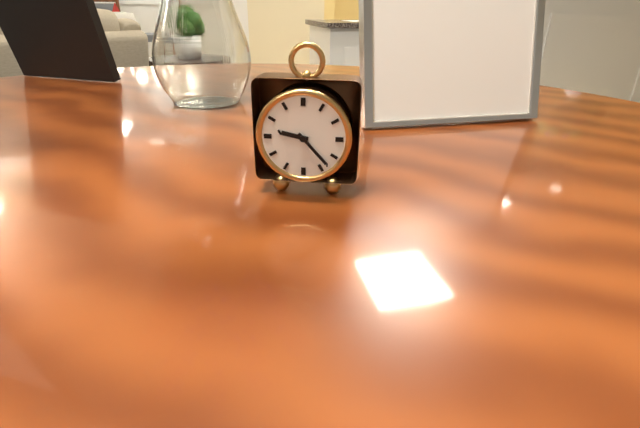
{"hour": 9, "minute": 23}
